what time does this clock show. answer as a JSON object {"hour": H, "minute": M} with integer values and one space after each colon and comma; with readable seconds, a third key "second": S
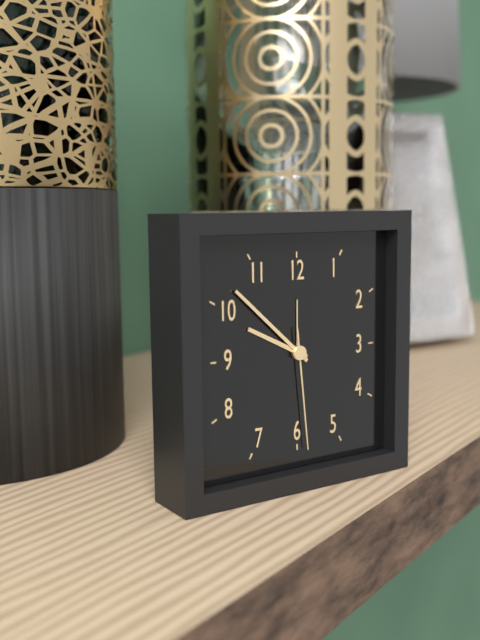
{"hour": 9, "minute": 52, "second": 29}
